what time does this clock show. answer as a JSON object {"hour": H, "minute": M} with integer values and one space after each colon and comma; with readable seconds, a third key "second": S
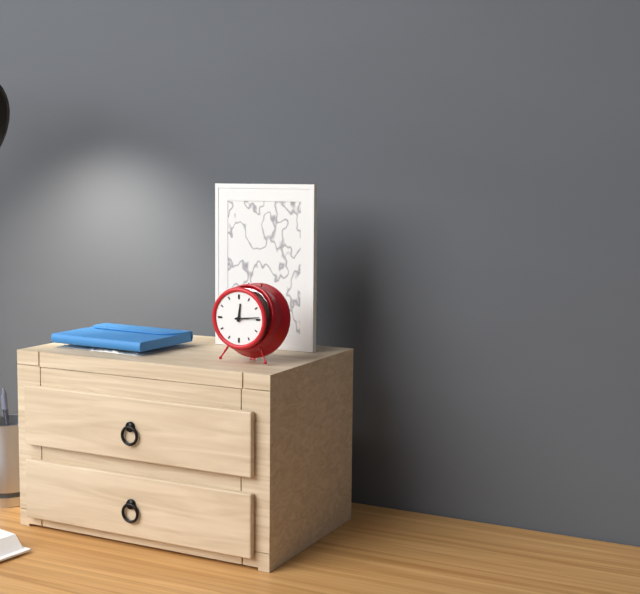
{"hour": 12, "minute": 14}
